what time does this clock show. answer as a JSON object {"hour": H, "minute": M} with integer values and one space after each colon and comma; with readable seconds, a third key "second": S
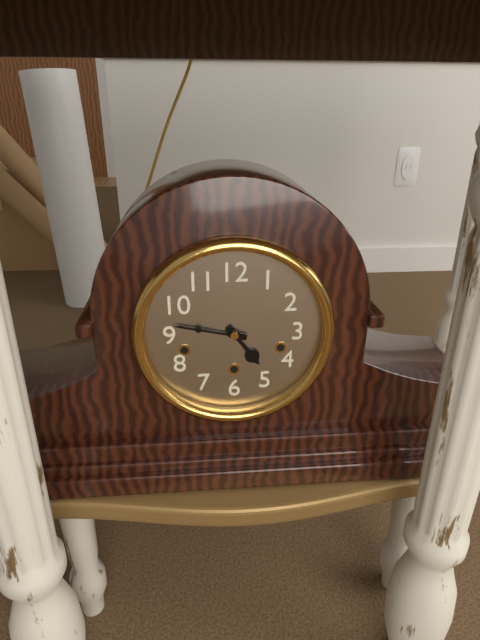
{"hour": 4, "minute": 47}
